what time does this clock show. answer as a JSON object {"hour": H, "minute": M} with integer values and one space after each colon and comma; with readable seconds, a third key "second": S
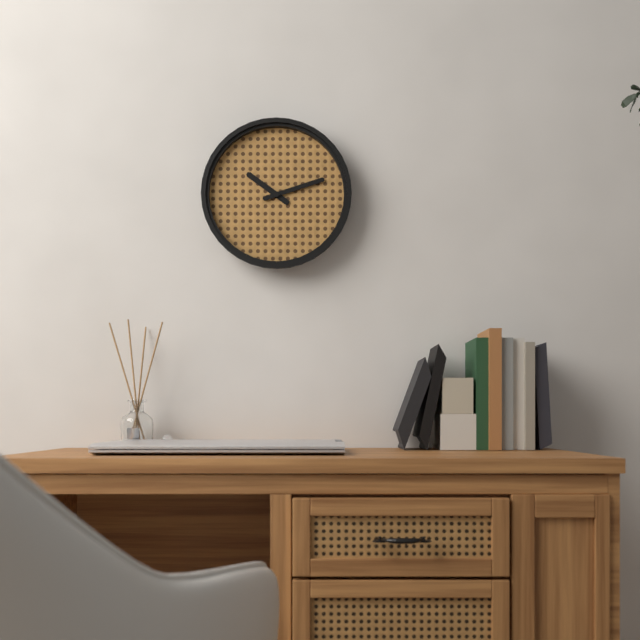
{"hour": 10, "minute": 12}
